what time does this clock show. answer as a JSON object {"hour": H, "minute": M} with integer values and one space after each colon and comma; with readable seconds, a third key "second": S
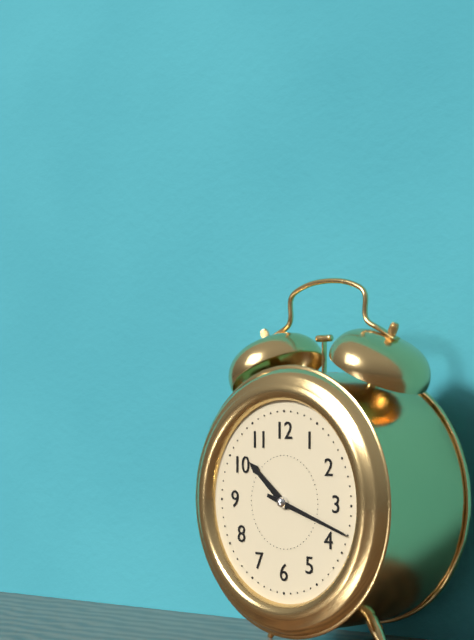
{"hour": 10, "minute": 18}
